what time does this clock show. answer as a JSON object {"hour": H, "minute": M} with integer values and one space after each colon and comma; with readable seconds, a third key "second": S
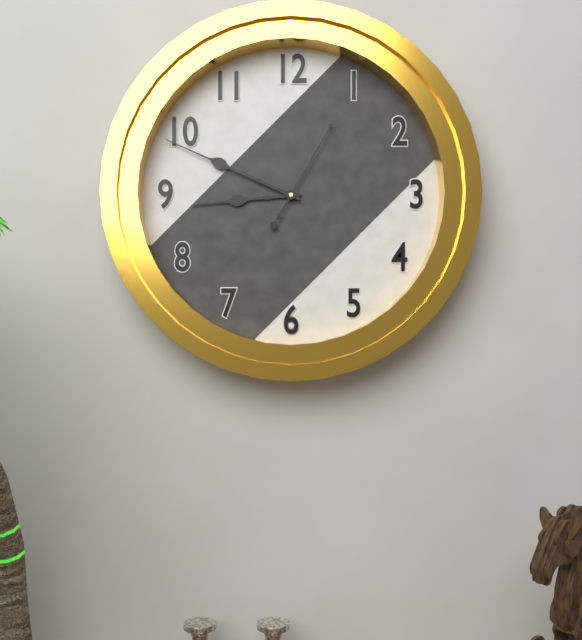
{"hour": 8, "minute": 49, "second": 5}
